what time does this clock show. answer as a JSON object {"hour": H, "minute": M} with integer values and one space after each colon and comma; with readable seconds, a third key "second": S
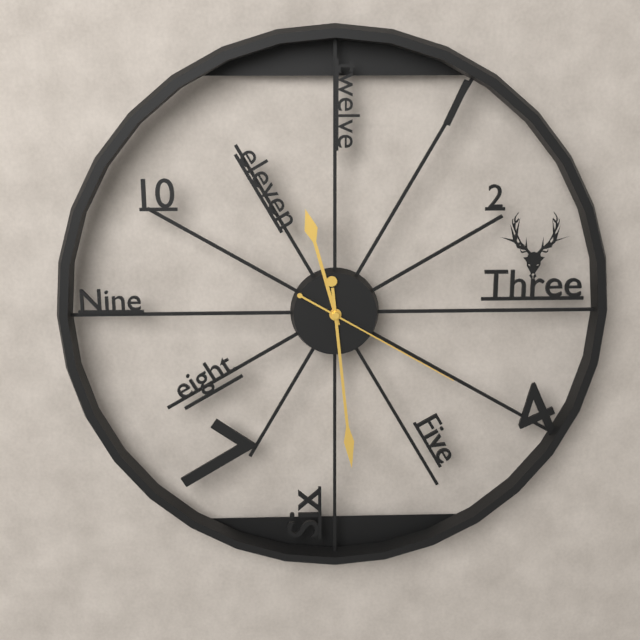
{"hour": 11, "minute": 29, "second": 20}
